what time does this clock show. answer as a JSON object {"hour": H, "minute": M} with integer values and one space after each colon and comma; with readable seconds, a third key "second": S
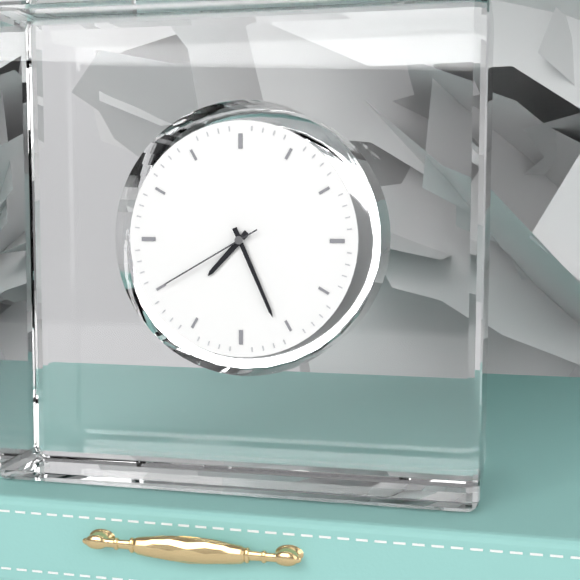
{"hour": 7, "minute": 26, "second": 40}
